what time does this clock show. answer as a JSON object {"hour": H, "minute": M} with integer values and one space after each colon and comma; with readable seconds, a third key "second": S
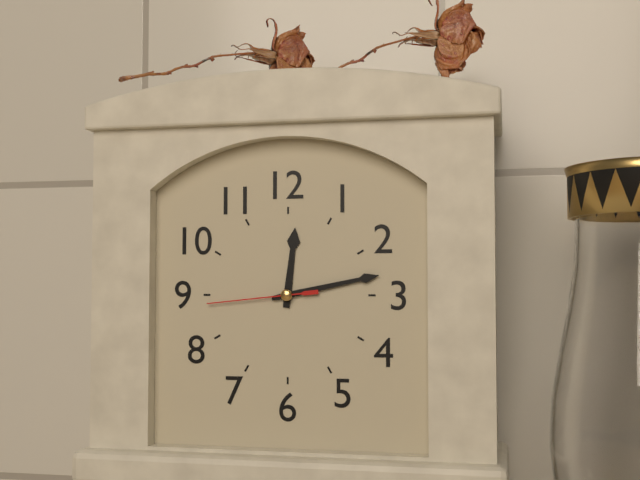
{"hour": 12, "minute": 13, "second": 44}
